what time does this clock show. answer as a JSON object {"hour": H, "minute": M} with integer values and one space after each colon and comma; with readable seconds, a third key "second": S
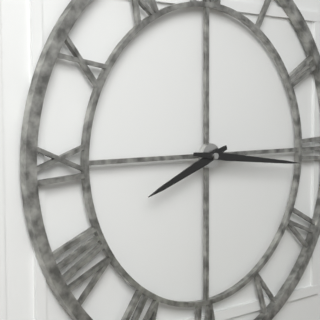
{"hour": 8, "minute": 16}
